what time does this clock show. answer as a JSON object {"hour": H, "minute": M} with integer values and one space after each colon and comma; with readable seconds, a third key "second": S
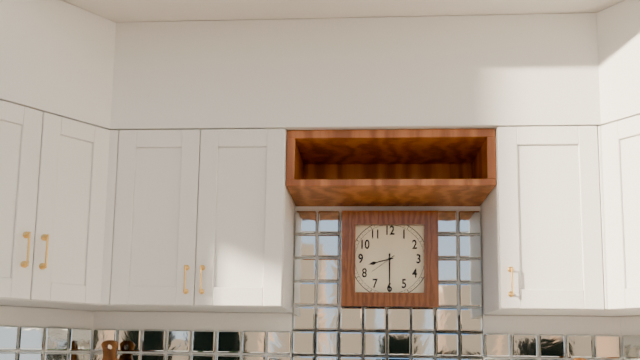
{"hour": 8, "minute": 30}
